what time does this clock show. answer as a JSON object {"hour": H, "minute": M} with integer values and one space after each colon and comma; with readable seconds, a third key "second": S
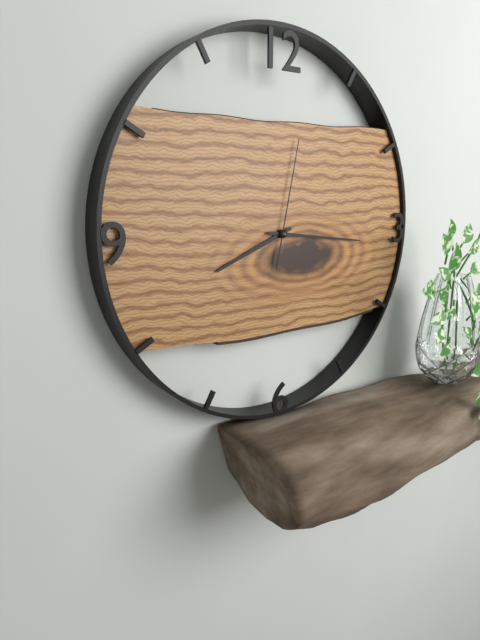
{"hour": 8, "minute": 16, "second": 2}
